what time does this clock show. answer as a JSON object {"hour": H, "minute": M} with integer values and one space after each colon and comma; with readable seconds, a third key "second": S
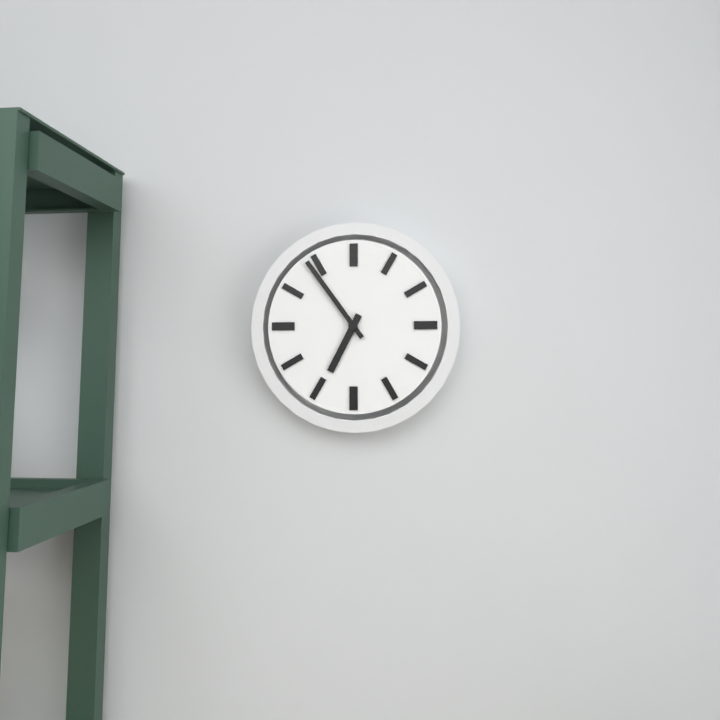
{"hour": 6, "minute": 54}
